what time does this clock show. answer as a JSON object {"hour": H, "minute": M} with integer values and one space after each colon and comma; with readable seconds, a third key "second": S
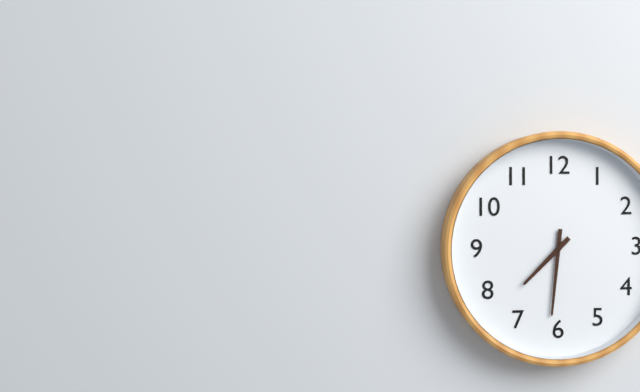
{"hour": 7, "minute": 31}
